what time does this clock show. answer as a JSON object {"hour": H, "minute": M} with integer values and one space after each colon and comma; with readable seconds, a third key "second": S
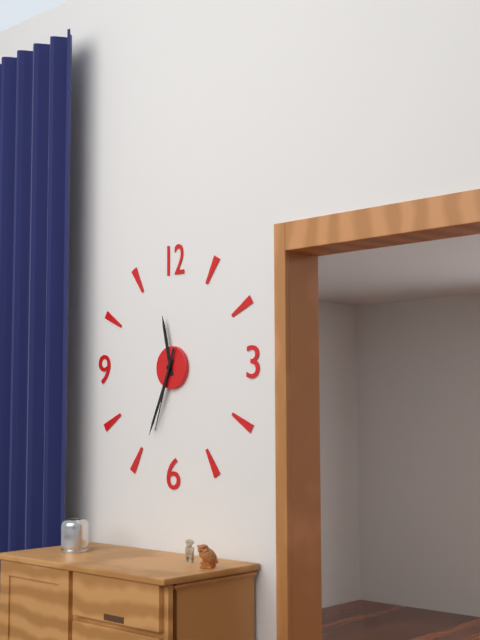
{"hour": 11, "minute": 34, "second": 33}
